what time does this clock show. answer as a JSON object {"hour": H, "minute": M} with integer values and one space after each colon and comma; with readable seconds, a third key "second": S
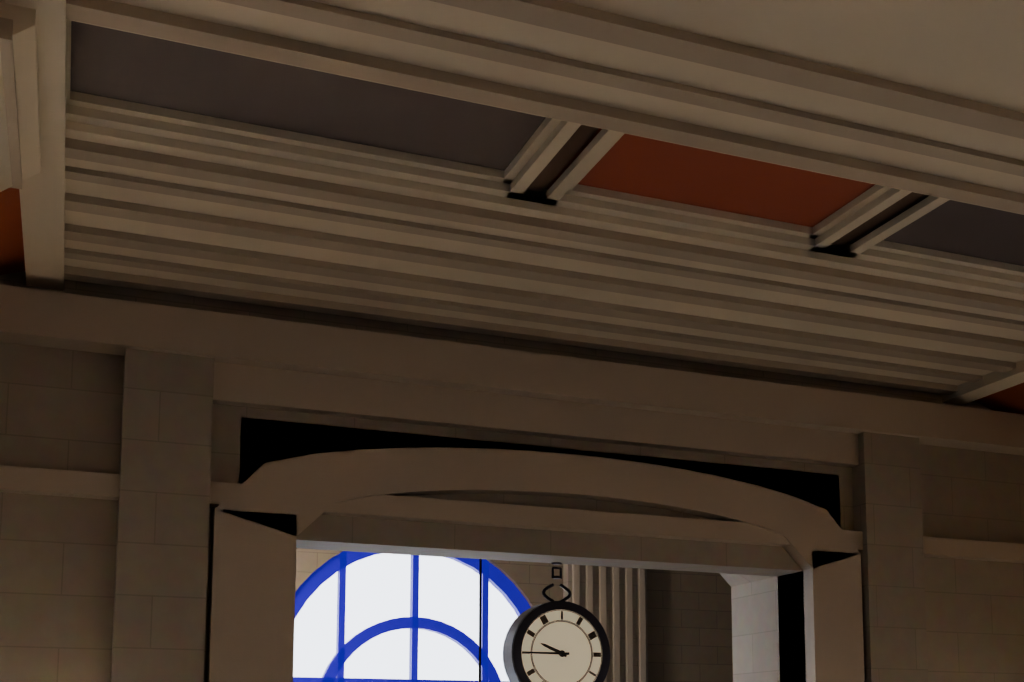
{"hour": 9, "minute": 45}
